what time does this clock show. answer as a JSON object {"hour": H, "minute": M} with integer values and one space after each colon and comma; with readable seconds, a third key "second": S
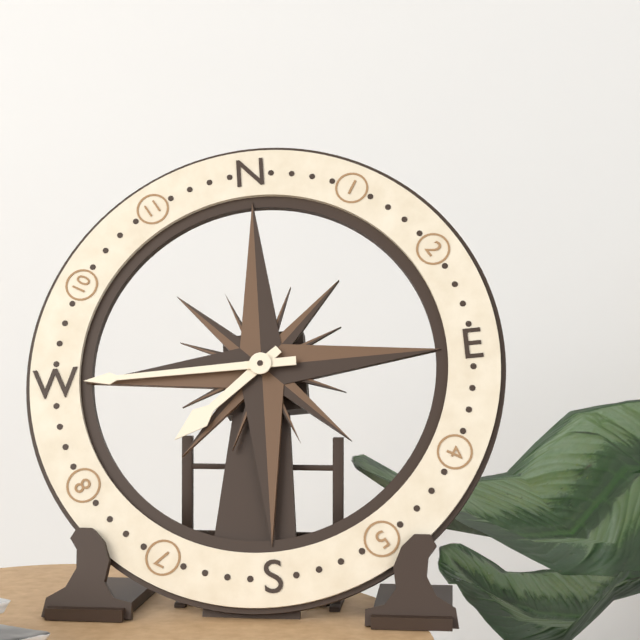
{"hour": 7, "minute": 45}
